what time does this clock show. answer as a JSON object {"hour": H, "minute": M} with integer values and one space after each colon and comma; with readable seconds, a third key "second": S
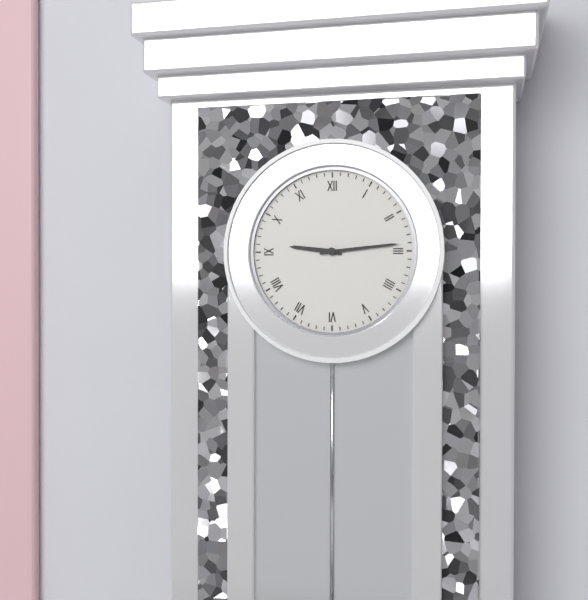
{"hour": 9, "minute": 14}
